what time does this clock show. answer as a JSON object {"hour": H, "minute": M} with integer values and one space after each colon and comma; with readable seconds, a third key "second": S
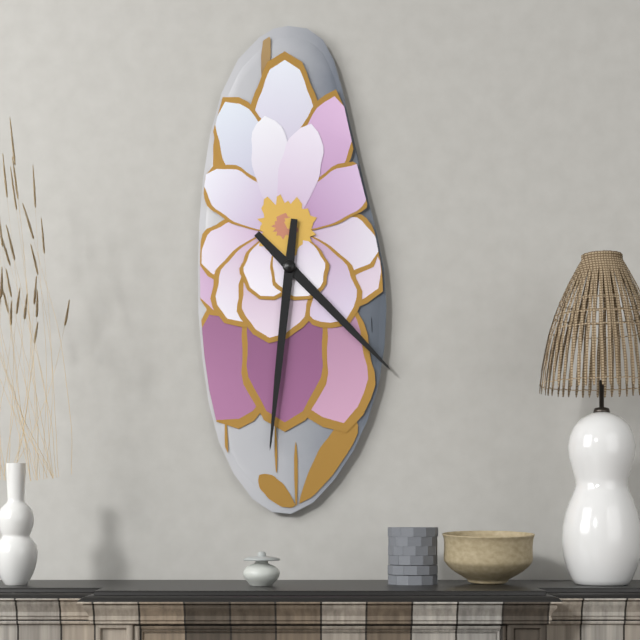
{"hour": 4, "minute": 31}
